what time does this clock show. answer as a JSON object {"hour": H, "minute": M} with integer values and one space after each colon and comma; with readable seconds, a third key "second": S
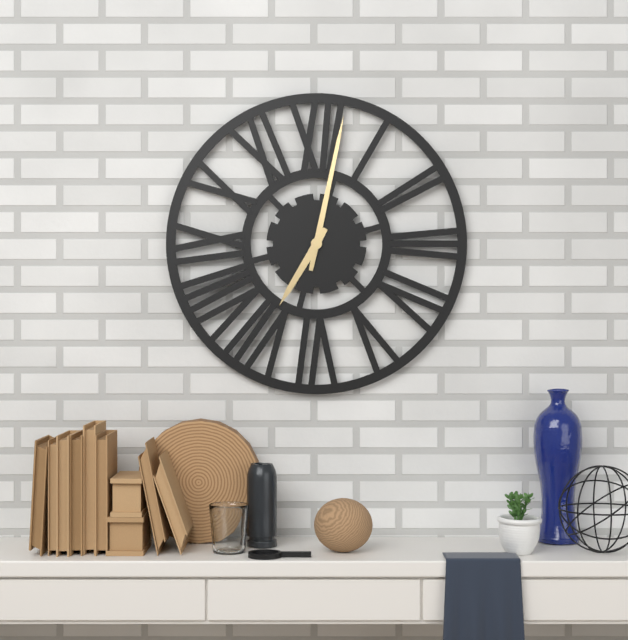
{"hour": 7, "minute": 2}
